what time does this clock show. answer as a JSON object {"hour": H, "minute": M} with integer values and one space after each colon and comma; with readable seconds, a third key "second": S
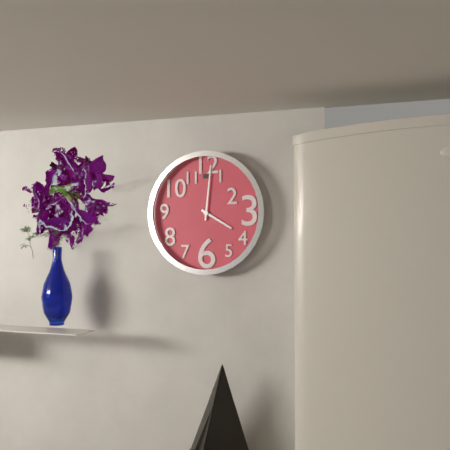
{"hour": 4, "minute": 1}
